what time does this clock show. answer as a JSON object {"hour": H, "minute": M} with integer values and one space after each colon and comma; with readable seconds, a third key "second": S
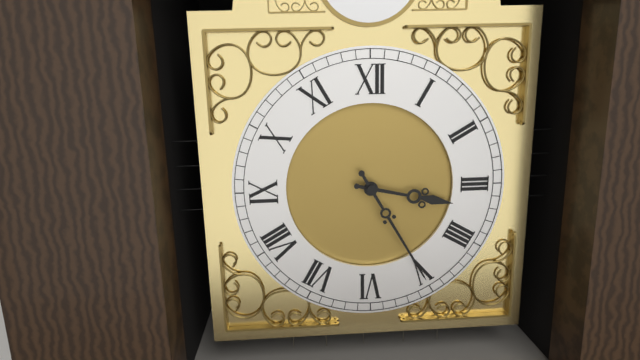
{"hour": 3, "minute": 25}
